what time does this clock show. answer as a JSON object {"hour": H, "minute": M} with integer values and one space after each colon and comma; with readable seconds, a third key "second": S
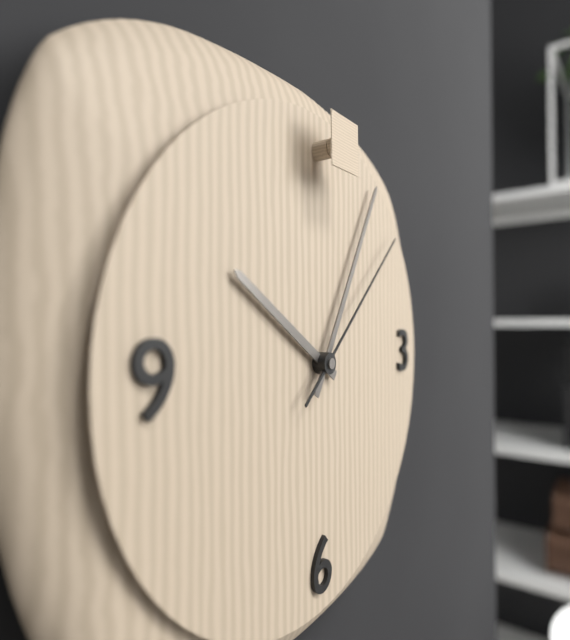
{"hour": 10, "minute": 5, "second": 8}
